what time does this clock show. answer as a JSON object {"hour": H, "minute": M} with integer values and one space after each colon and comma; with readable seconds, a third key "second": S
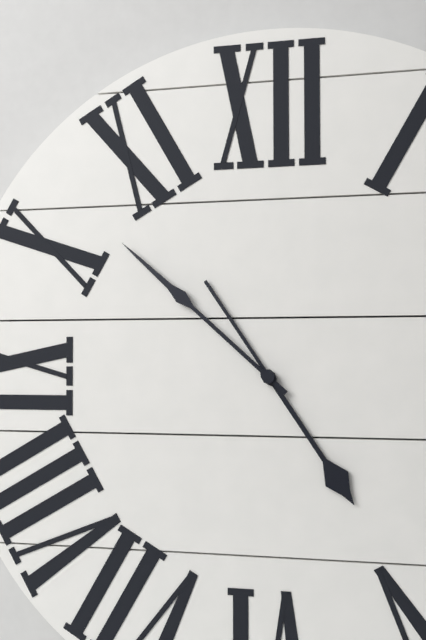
{"hour": 4, "minute": 52}
